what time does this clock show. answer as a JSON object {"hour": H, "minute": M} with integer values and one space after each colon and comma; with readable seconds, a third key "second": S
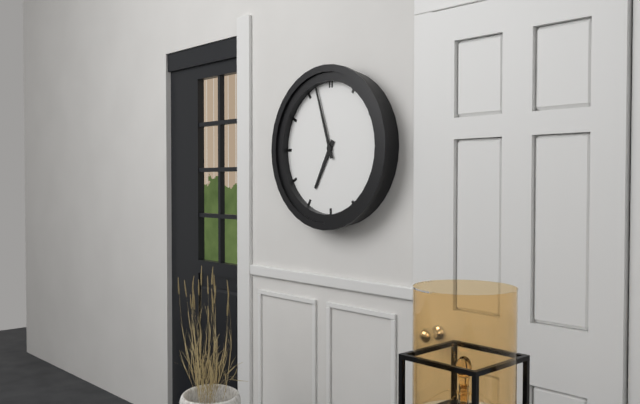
{"hour": 6, "minute": 57}
